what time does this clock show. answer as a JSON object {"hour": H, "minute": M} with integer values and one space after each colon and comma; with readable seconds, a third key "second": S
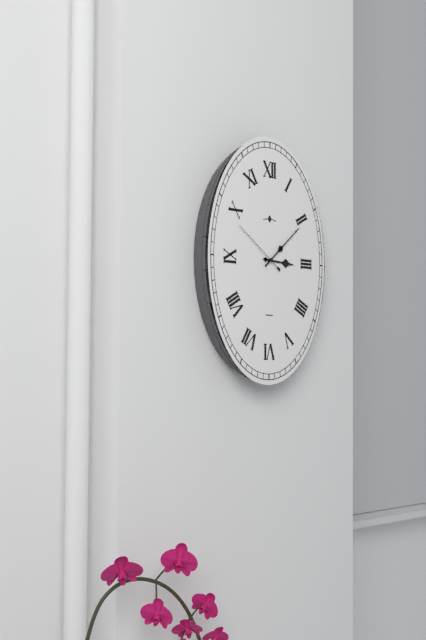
{"hour": 3, "minute": 8, "second": 51}
